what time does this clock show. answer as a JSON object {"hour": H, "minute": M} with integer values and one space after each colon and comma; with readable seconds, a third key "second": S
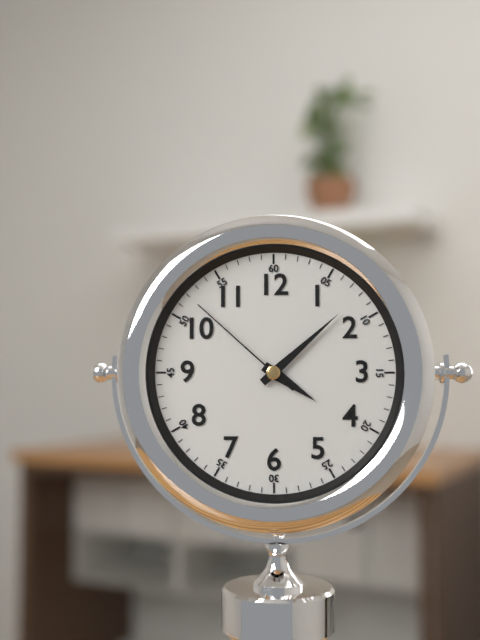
{"hour": 4, "minute": 8, "second": 52}
